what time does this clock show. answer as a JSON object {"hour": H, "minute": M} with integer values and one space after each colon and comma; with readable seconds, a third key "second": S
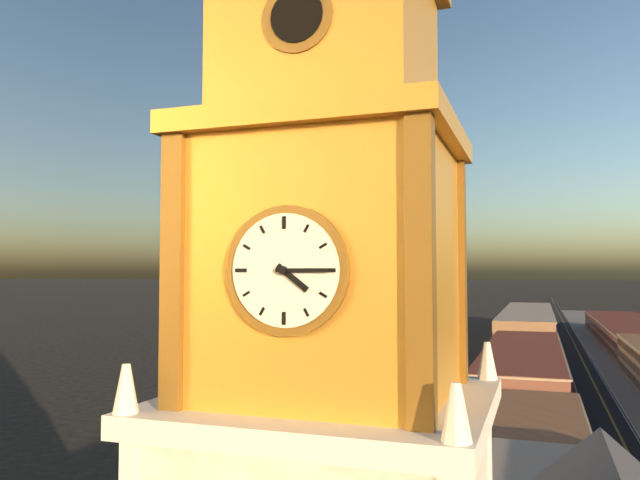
{"hour": 4, "minute": 15}
